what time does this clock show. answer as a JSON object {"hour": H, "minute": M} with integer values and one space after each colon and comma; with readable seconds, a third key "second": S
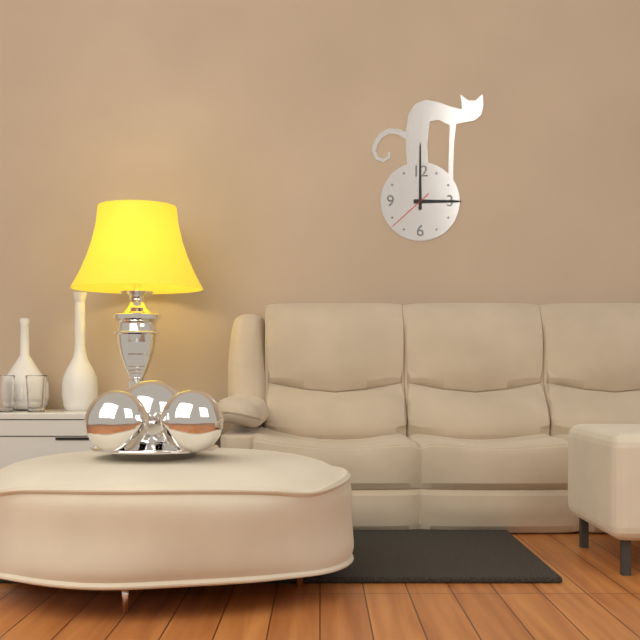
{"hour": 3, "minute": 0}
